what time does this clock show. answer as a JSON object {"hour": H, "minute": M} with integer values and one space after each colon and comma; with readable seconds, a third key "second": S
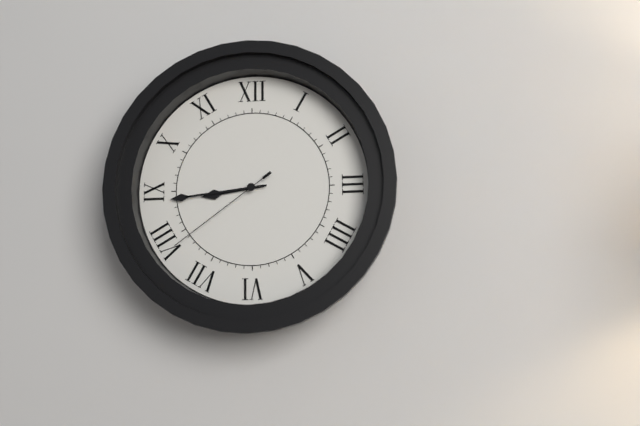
{"hour": 8, "minute": 44, "second": 39}
